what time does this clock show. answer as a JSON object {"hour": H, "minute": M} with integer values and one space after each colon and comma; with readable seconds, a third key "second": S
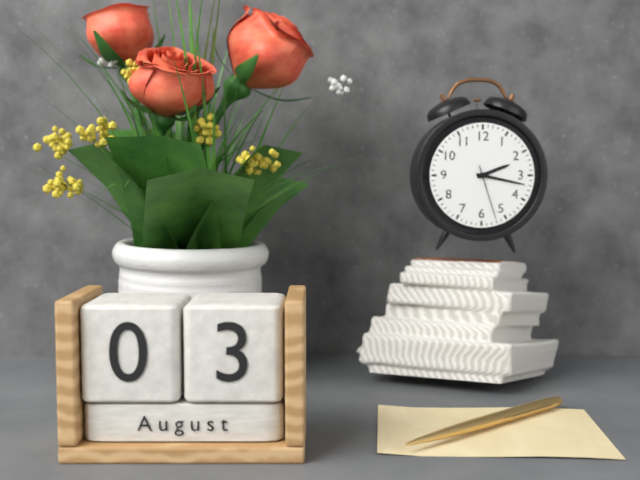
{"hour": 2, "minute": 17, "second": 27}
